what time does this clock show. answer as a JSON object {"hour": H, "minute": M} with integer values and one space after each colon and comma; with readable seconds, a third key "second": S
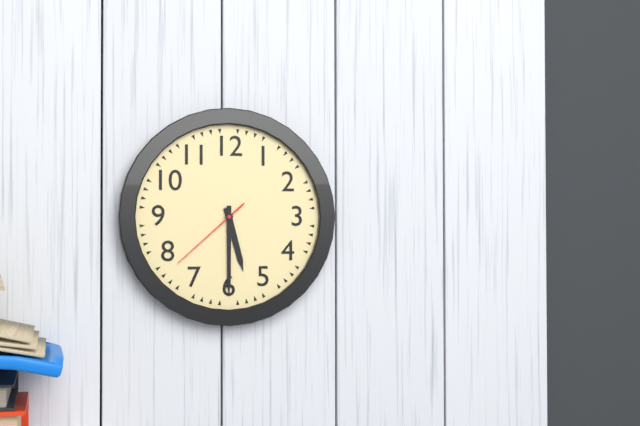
{"hour": 5, "minute": 30, "second": 38}
